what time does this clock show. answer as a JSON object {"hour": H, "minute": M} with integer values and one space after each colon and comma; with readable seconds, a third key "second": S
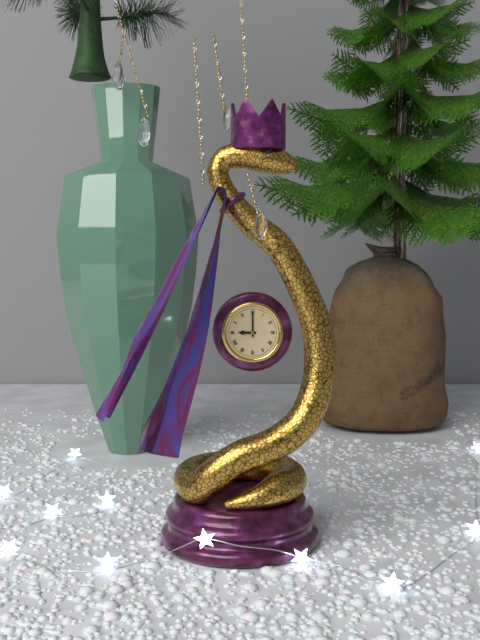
{"hour": 9, "minute": 0}
